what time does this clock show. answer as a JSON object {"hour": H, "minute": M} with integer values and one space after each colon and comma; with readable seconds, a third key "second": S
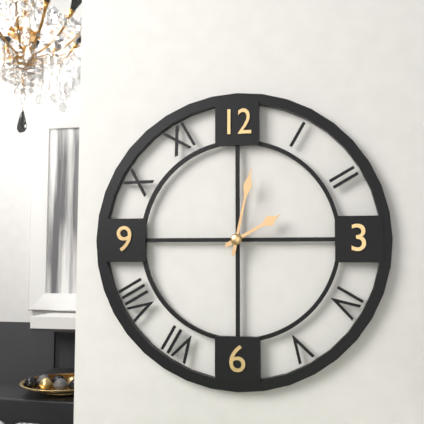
{"hour": 2, "minute": 2}
